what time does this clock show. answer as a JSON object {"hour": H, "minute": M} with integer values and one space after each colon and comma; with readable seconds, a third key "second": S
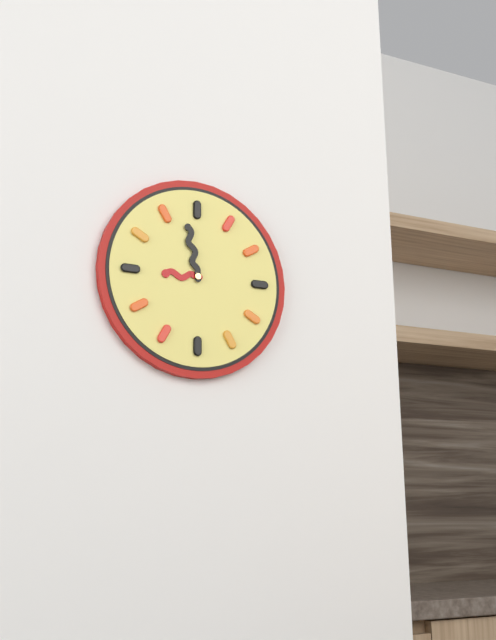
{"hour": 8, "minute": 58}
